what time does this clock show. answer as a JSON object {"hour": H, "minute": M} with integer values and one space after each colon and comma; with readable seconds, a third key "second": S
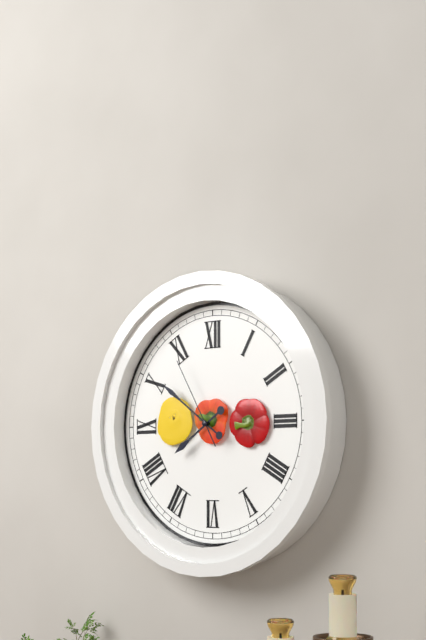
{"hour": 7, "minute": 51, "second": 55}
